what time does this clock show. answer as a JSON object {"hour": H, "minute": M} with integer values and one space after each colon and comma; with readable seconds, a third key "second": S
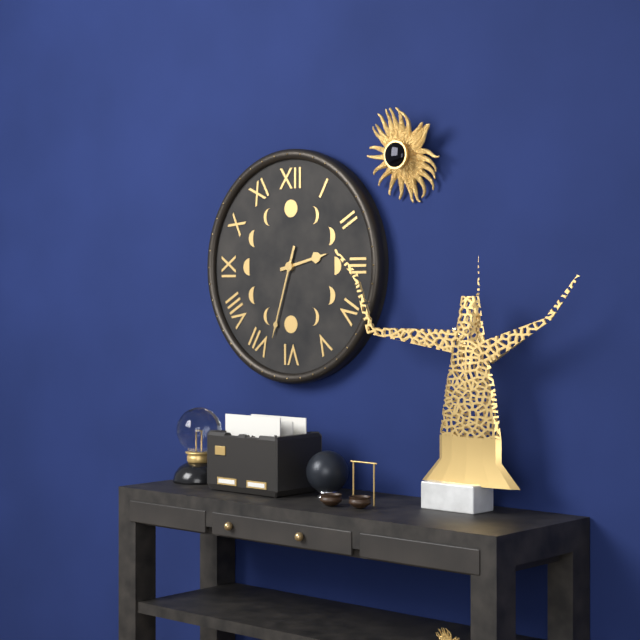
{"hour": 2, "minute": 33}
